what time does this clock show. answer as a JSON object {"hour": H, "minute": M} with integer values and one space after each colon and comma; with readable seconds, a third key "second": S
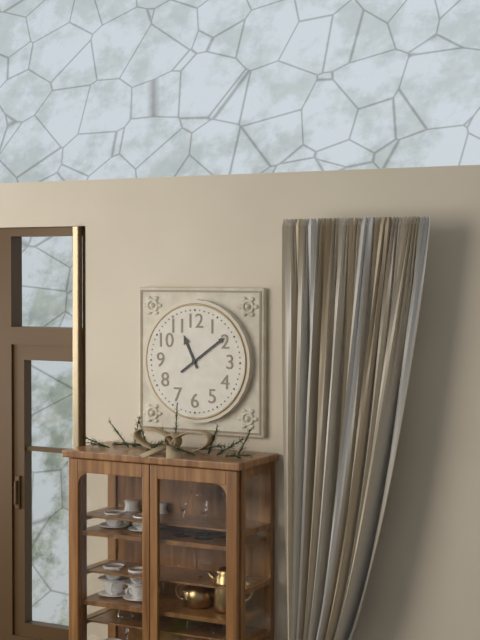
{"hour": 11, "minute": 9}
